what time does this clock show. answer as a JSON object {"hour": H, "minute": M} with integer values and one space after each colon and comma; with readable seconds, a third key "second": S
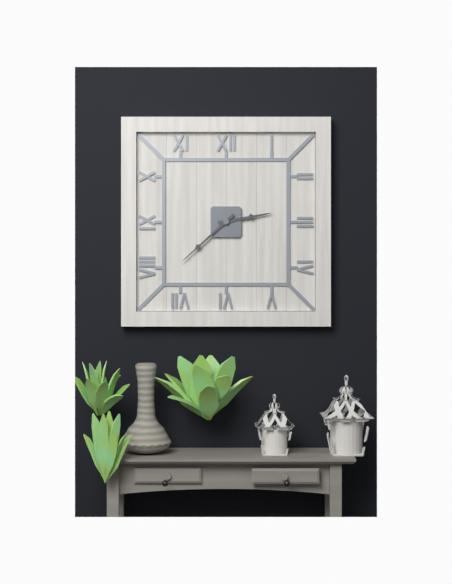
{"hour": 2, "minute": 38}
